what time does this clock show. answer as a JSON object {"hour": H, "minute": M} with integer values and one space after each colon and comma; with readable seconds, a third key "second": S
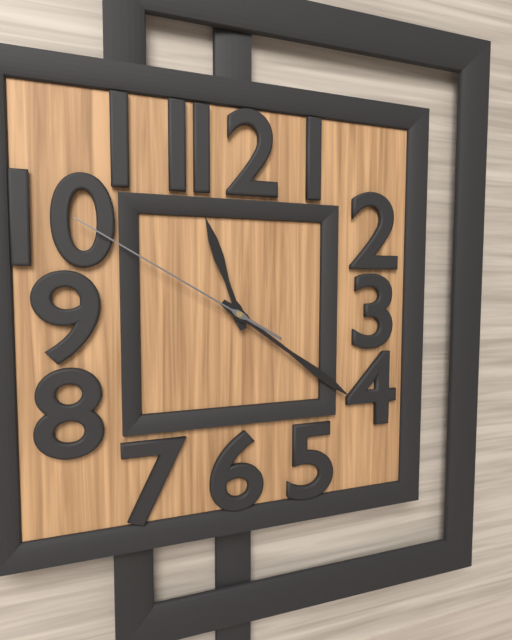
{"hour": 11, "minute": 21, "second": 50}
